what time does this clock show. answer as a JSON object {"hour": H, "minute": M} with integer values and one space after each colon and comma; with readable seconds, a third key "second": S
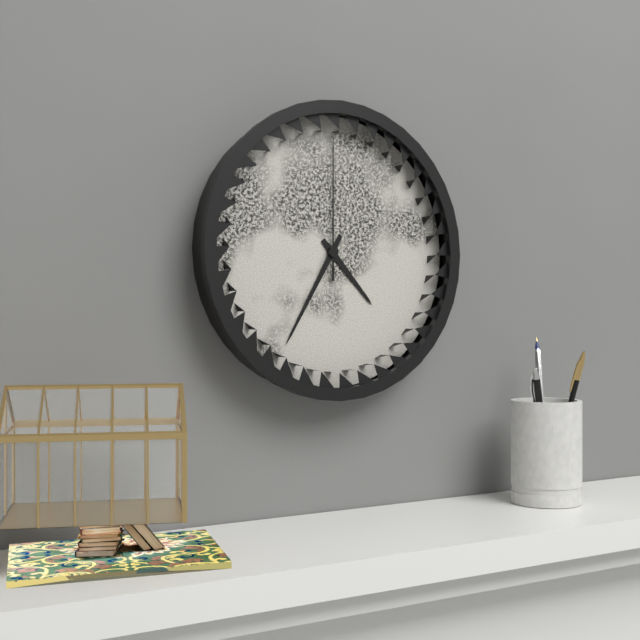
{"hour": 4, "minute": 35, "second": 0}
